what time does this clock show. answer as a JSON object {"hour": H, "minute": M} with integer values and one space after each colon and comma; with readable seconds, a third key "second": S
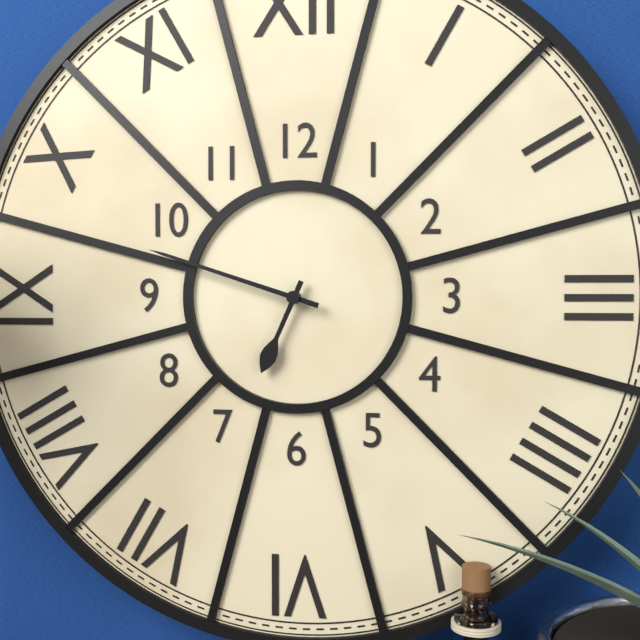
{"hour": 6, "minute": 48}
